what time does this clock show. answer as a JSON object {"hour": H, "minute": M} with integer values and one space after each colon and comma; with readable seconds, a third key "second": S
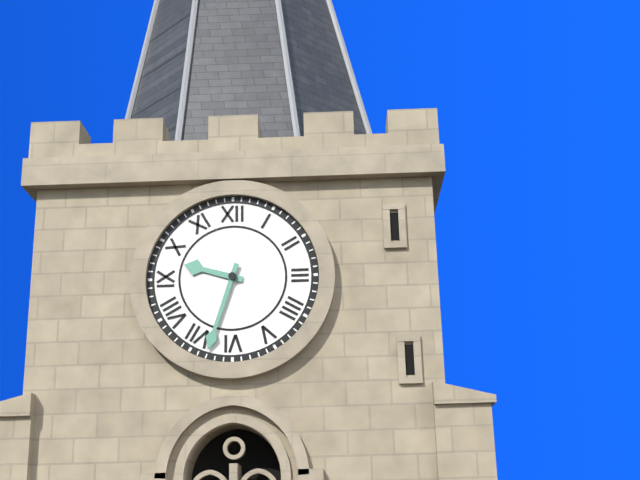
{"hour": 9, "minute": 33}
